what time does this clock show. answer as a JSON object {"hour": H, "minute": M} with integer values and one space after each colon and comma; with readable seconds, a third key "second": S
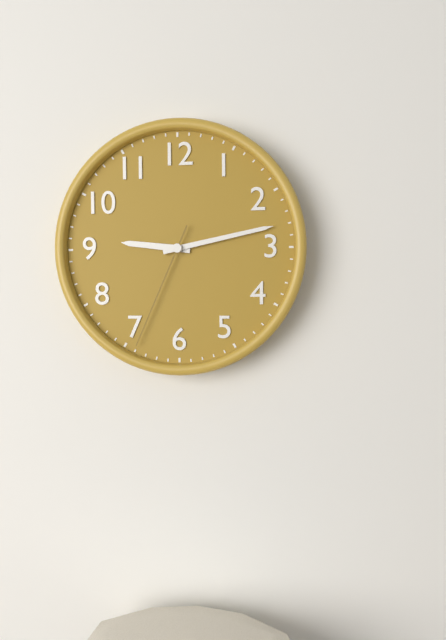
{"hour": 9, "minute": 13, "second": 34}
